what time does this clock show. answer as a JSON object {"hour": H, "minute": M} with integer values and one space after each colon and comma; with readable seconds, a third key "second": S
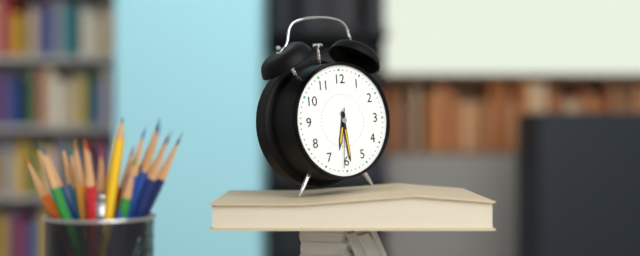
{"hour": 6, "minute": 29, "second": 31}
